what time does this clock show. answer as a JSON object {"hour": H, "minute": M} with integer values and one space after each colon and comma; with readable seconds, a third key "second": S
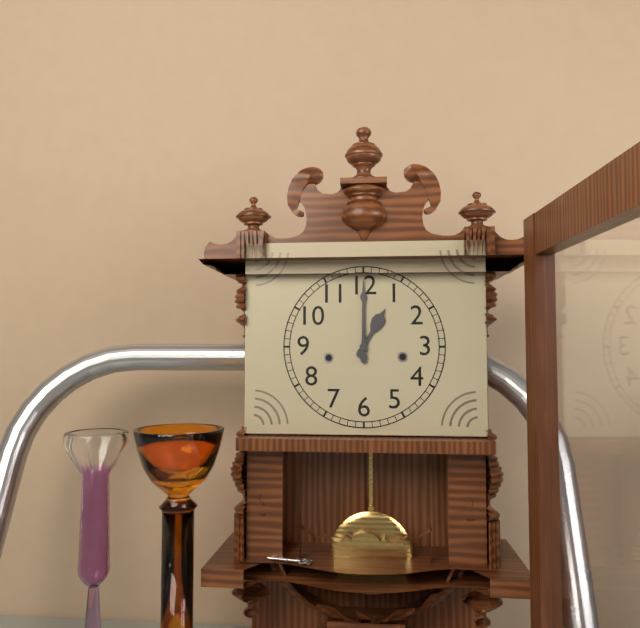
{"hour": 1, "minute": 0}
